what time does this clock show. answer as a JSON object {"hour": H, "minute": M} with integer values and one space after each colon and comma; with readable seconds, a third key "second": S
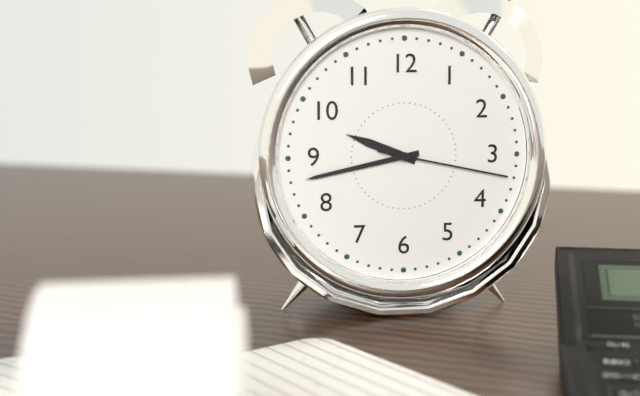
{"hour": 9, "minute": 43, "second": 17}
